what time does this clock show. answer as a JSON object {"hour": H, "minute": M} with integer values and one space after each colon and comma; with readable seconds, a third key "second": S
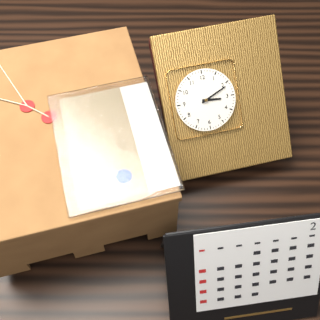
{"hour": 3, "minute": 11}
